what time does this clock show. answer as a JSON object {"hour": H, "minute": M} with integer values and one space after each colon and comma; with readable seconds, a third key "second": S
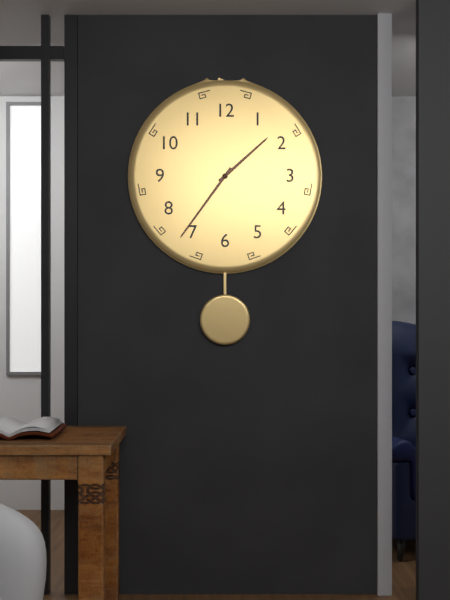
{"hour": 1, "minute": 36}
